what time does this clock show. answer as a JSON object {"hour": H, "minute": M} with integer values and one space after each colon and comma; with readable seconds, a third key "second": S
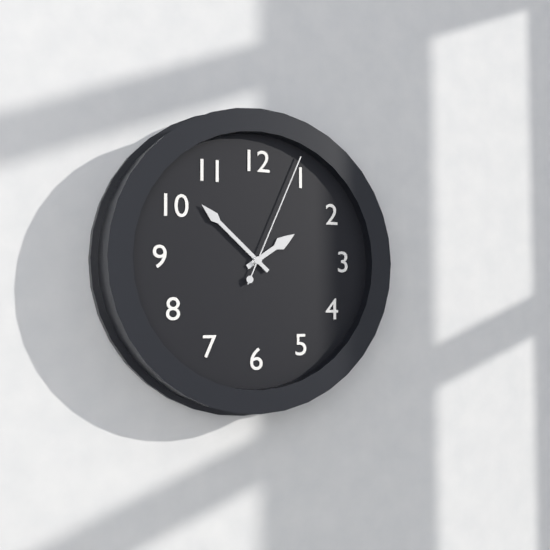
{"hour": 1, "minute": 52, "second": 4}
